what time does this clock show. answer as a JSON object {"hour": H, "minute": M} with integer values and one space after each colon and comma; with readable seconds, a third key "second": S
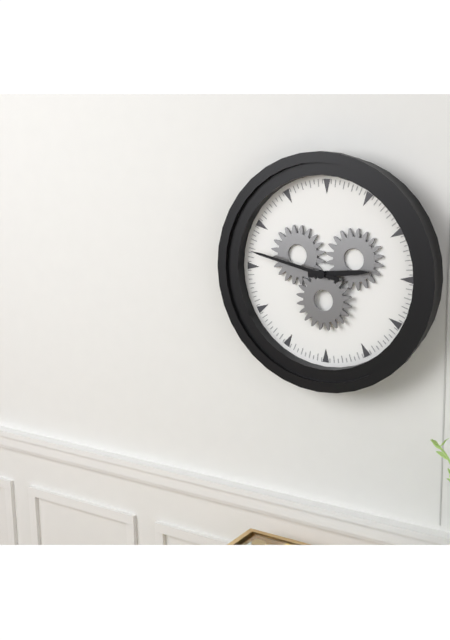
{"hour": 2, "minute": 47}
